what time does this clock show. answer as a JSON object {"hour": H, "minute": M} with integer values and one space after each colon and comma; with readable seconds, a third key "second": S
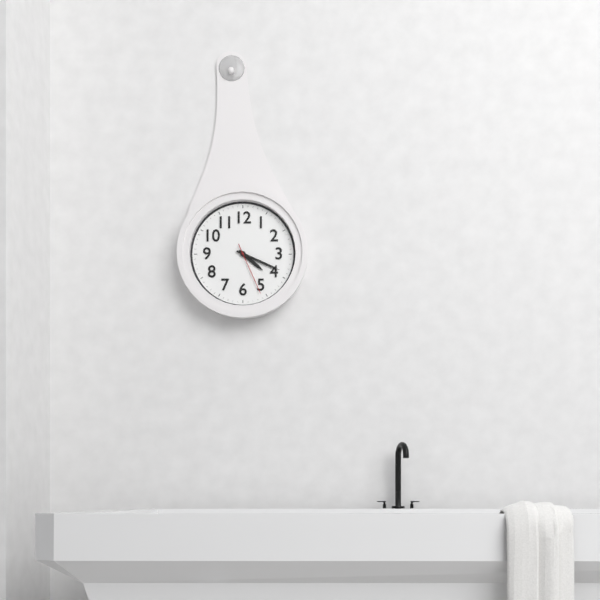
{"hour": 4, "minute": 19, "second": 26}
